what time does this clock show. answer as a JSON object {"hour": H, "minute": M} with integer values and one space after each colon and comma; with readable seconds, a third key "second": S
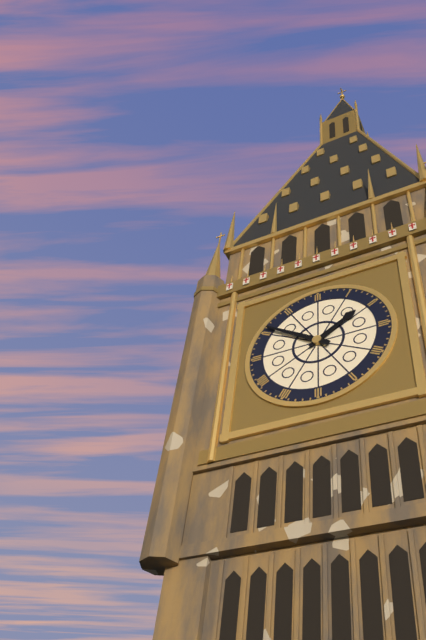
{"hour": 1, "minute": 51}
